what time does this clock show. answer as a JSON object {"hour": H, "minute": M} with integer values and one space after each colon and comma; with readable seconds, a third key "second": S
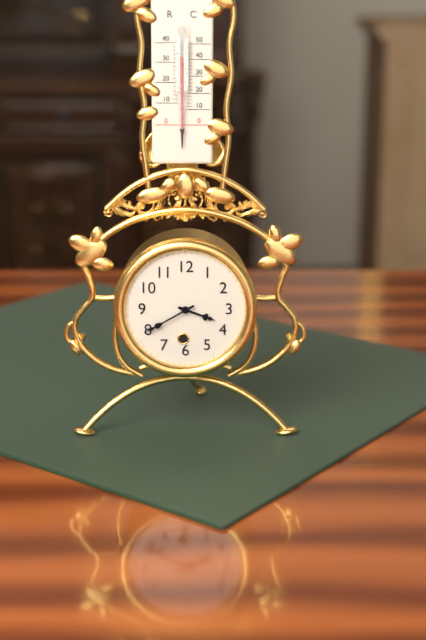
{"hour": 3, "minute": 40}
